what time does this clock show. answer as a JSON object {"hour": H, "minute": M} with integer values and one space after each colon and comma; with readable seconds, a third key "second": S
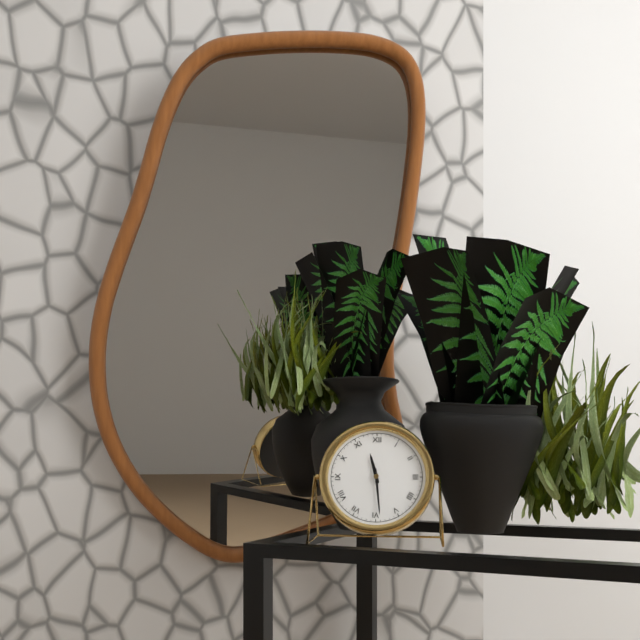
{"hour": 11, "minute": 29}
